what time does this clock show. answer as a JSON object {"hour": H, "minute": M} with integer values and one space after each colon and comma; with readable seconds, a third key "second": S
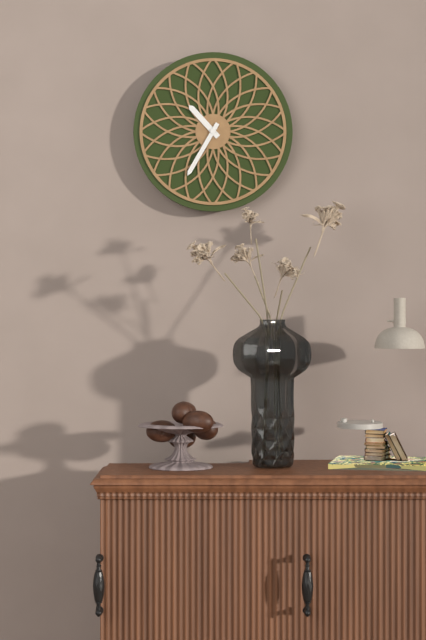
{"hour": 10, "minute": 35}
